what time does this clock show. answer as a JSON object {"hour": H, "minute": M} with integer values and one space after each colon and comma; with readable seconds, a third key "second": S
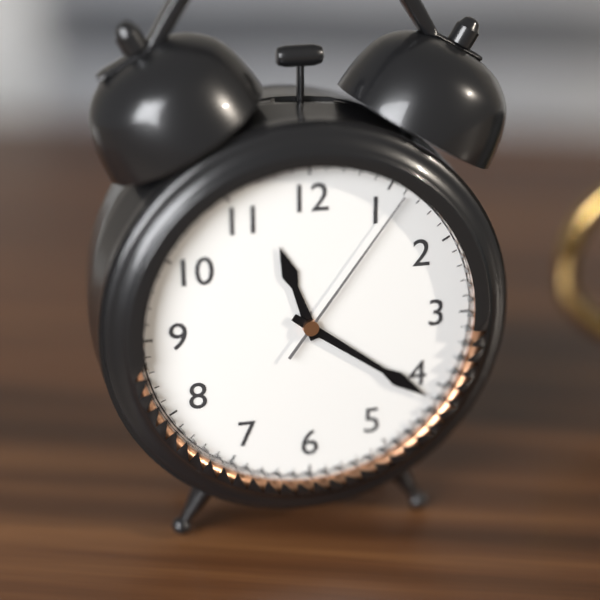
{"hour": 11, "minute": 21, "second": 6}
